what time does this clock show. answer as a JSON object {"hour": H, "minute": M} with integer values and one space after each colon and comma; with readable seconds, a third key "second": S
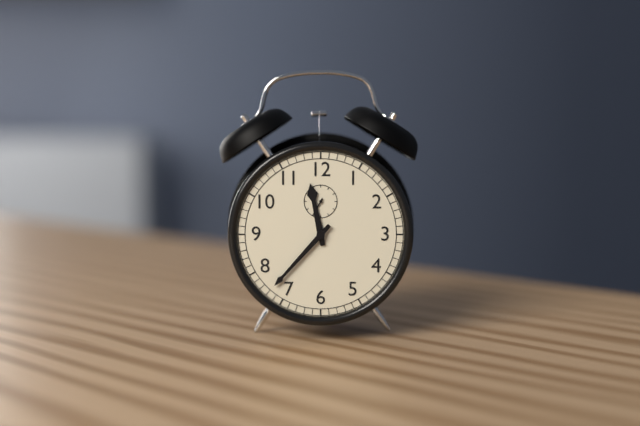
{"hour": 11, "minute": 37}
